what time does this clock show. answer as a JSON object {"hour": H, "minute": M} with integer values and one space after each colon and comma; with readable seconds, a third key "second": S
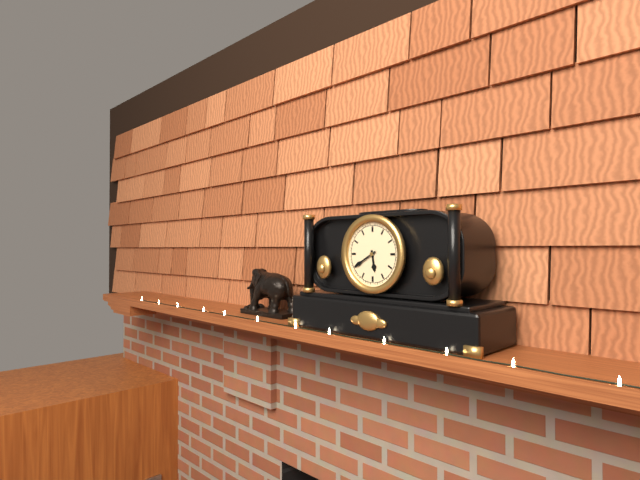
{"hour": 5, "minute": 40}
